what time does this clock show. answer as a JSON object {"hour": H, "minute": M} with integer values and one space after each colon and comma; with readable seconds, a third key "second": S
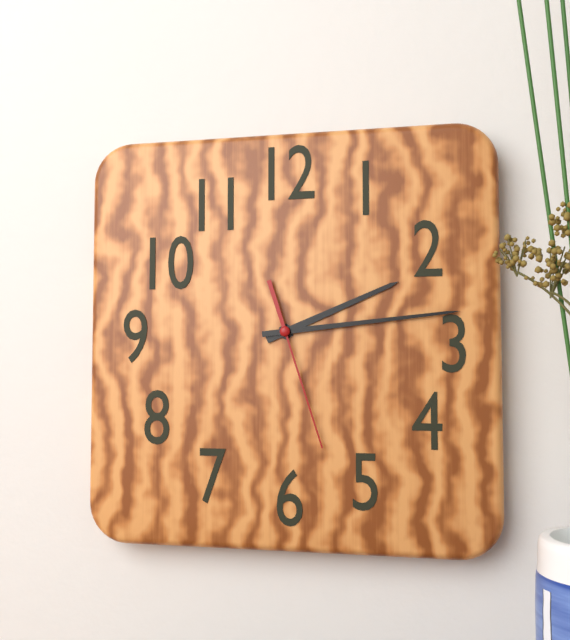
{"hour": 2, "minute": 14, "second": 27}
